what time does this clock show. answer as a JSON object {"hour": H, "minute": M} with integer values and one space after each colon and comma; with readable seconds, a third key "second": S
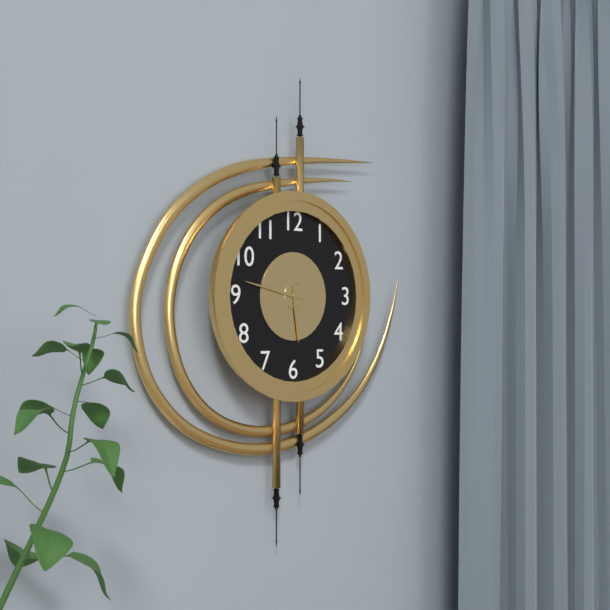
{"hour": 5, "minute": 47}
